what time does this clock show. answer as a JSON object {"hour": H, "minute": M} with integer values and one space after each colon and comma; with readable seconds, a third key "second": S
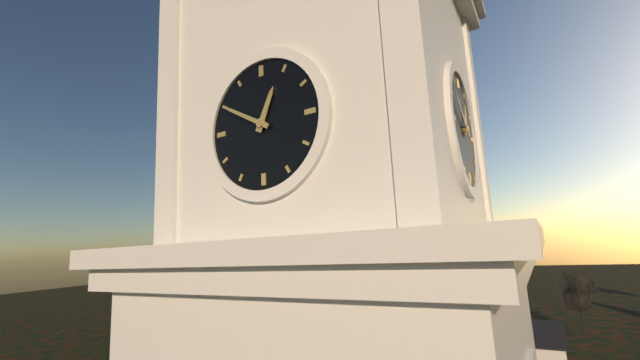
{"hour": 12, "minute": 50}
